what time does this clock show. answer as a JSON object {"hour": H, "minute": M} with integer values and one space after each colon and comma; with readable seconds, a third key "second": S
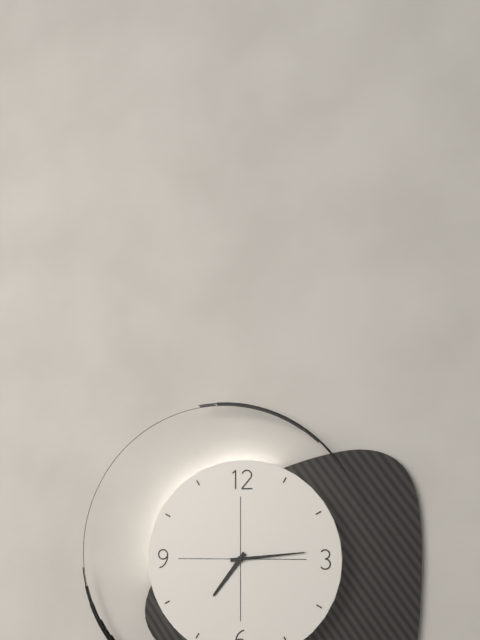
{"hour": 7, "minute": 14}
